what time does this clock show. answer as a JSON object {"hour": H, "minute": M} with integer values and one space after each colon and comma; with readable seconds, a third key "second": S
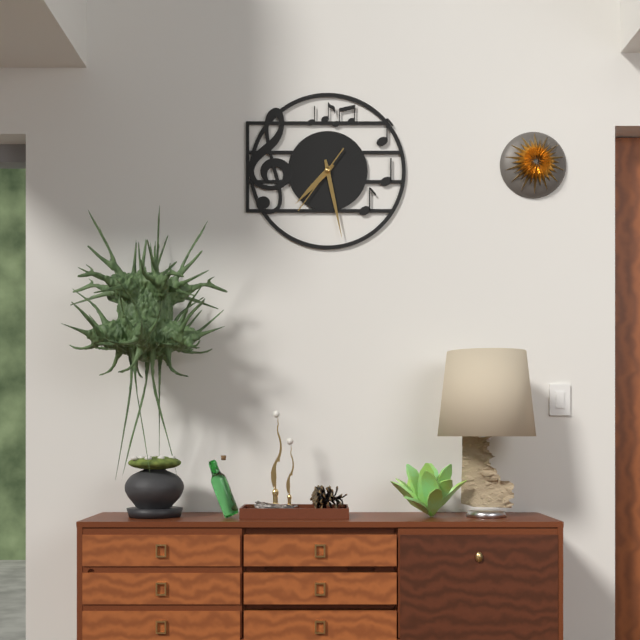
{"hour": 7, "minute": 28, "second": 36}
